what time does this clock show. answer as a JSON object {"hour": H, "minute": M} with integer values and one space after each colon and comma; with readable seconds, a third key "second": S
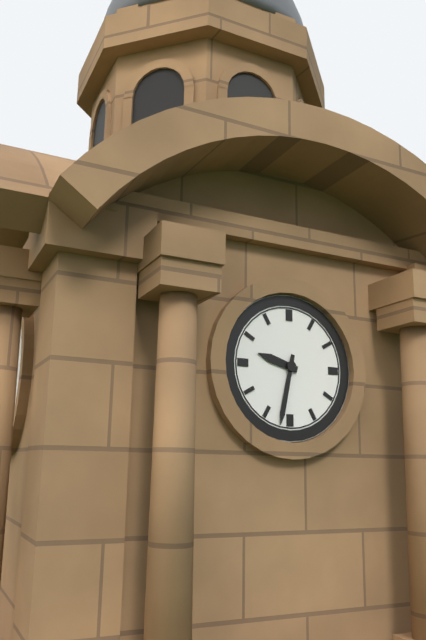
{"hour": 9, "minute": 32}
